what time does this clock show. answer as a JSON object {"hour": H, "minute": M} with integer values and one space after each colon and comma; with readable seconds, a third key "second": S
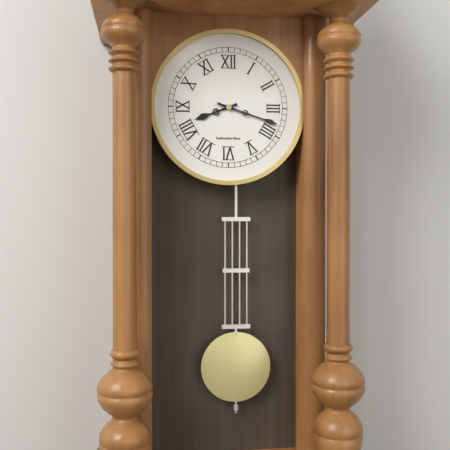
{"hour": 8, "minute": 18}
